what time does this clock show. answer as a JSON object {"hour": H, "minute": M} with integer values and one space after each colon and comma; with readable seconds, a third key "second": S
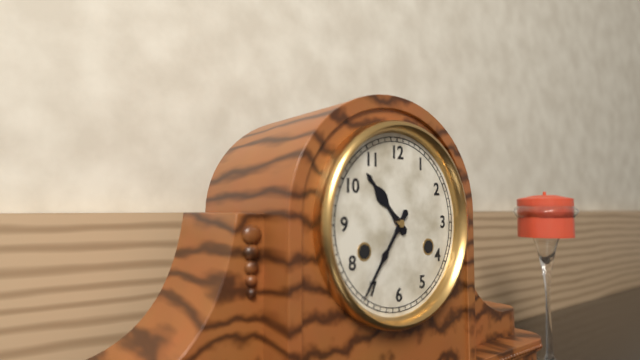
{"hour": 10, "minute": 36}
